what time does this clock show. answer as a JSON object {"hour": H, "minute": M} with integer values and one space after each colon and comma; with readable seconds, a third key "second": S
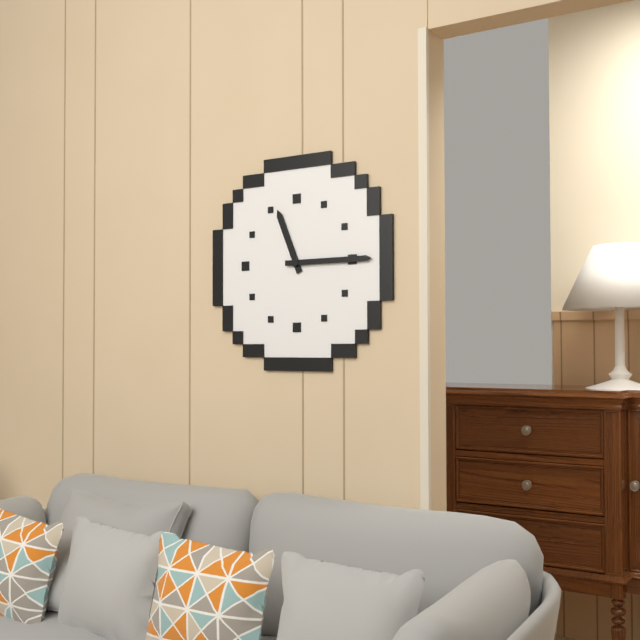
{"hour": 11, "minute": 15}
